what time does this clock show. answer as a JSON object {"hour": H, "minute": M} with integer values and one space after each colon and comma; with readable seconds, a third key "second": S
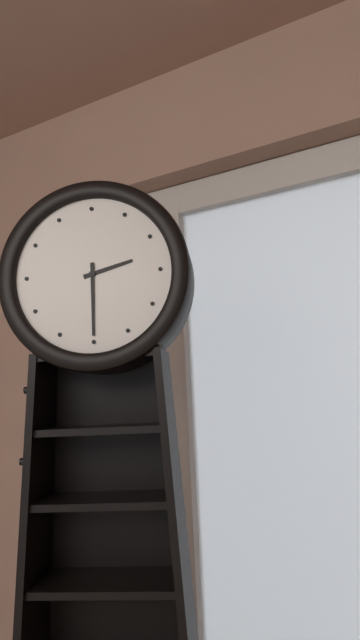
{"hour": 2, "minute": 30}
